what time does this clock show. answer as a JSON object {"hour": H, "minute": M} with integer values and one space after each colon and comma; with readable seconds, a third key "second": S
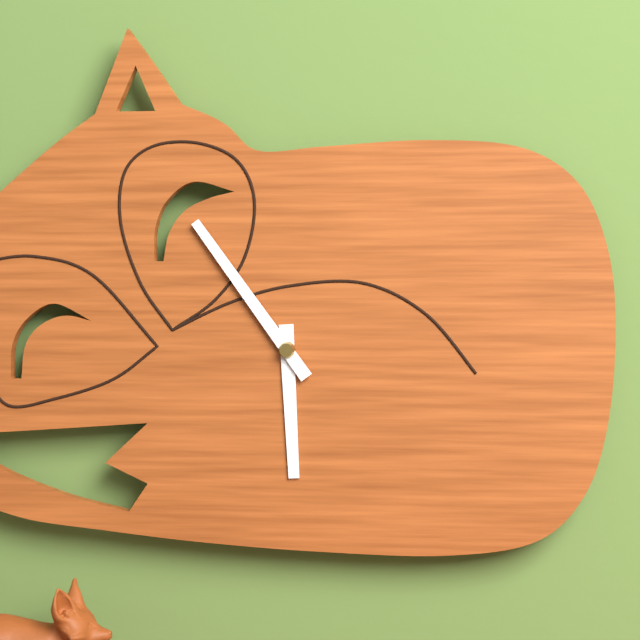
{"hour": 5, "minute": 54}
